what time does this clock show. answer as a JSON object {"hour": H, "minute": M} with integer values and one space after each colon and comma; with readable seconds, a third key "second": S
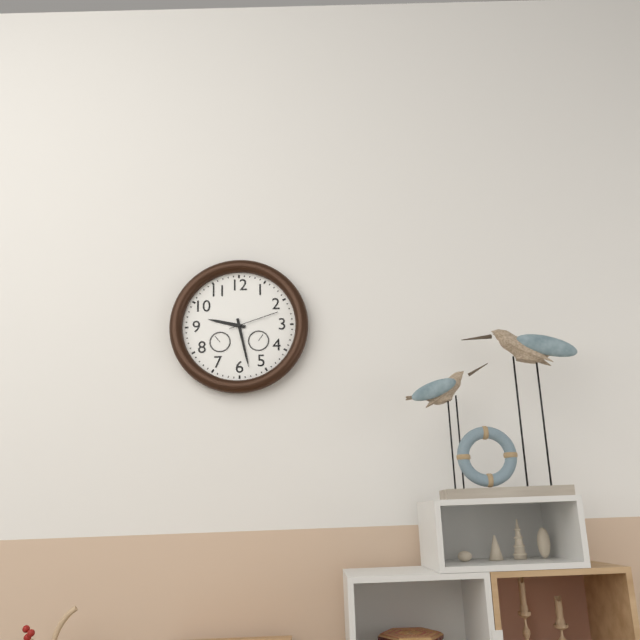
{"hour": 9, "minute": 28, "second": 12}
